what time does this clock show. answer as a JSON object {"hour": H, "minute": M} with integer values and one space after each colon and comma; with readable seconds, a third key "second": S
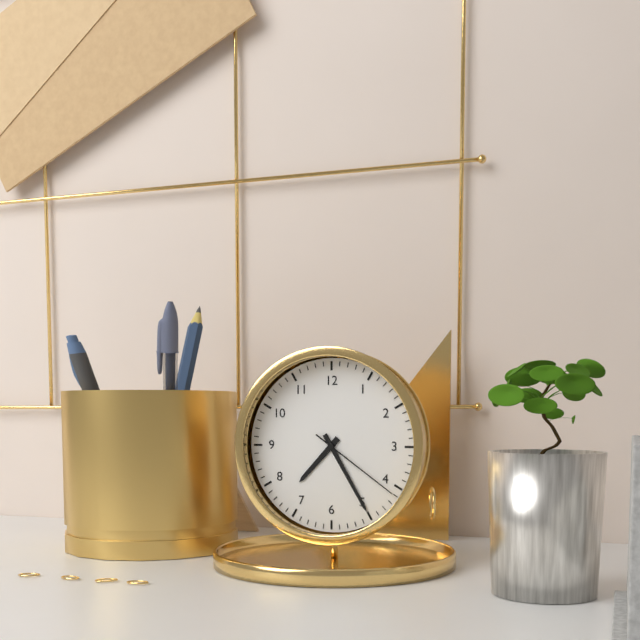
{"hour": 7, "minute": 25, "second": 21}
